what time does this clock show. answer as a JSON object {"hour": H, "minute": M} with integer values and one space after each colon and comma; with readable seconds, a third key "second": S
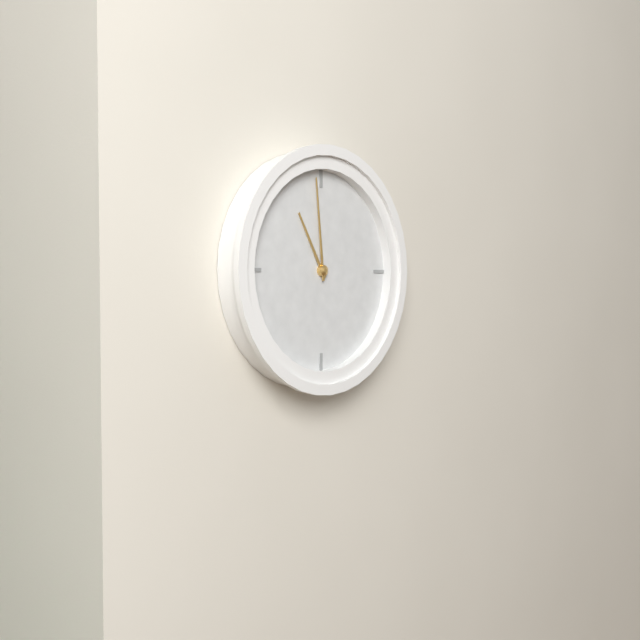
{"hour": 10, "minute": 59}
